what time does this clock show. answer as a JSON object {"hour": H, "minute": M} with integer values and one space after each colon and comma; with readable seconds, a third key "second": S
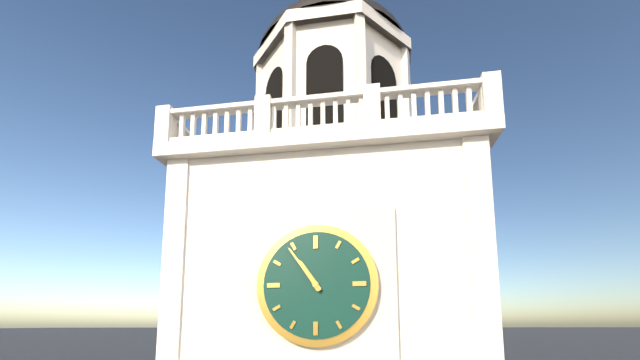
{"hour": 10, "minute": 54}
